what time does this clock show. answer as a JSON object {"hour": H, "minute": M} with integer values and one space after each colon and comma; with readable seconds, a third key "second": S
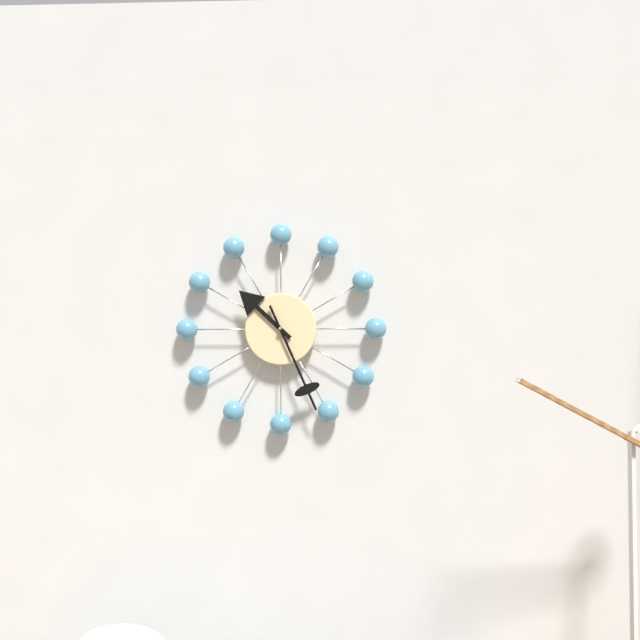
{"hour": 10, "minute": 26}
